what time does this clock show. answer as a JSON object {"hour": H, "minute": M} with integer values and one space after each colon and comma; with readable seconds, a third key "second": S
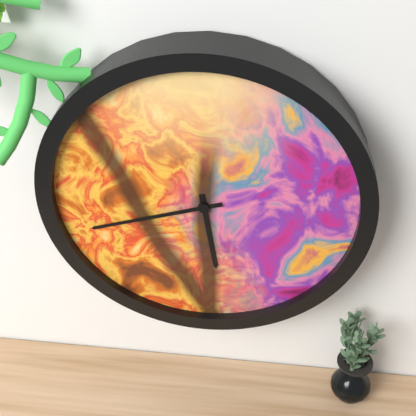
{"hour": 5, "minute": 42}
